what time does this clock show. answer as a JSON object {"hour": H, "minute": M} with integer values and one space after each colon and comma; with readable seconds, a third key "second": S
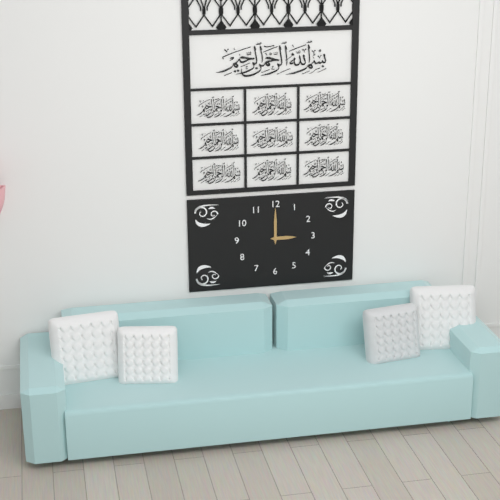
{"hour": 3, "minute": 0}
